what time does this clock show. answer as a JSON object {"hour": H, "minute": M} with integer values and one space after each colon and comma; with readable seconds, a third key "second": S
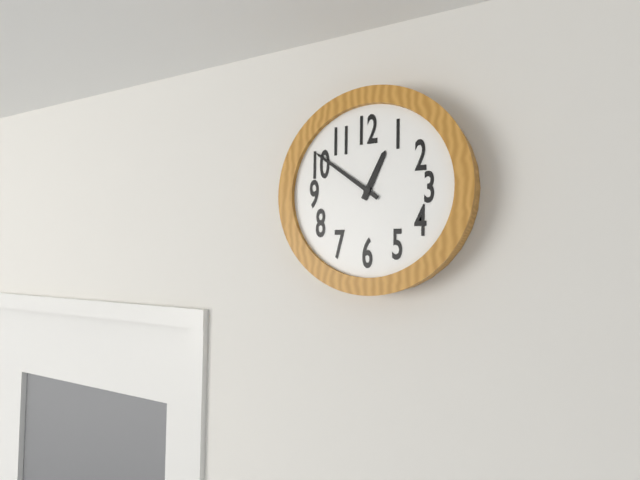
{"hour": 12, "minute": 51}
